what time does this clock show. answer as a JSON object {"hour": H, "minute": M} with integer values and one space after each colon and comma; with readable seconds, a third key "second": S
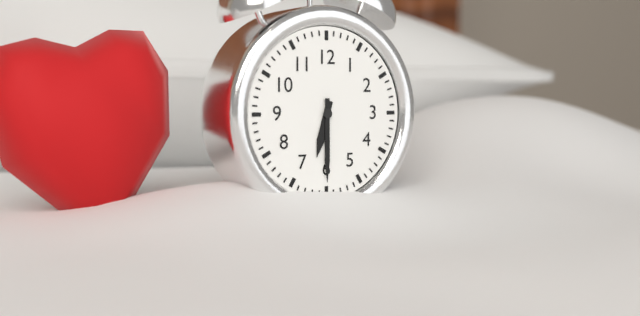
{"hour": 6, "minute": 30}
